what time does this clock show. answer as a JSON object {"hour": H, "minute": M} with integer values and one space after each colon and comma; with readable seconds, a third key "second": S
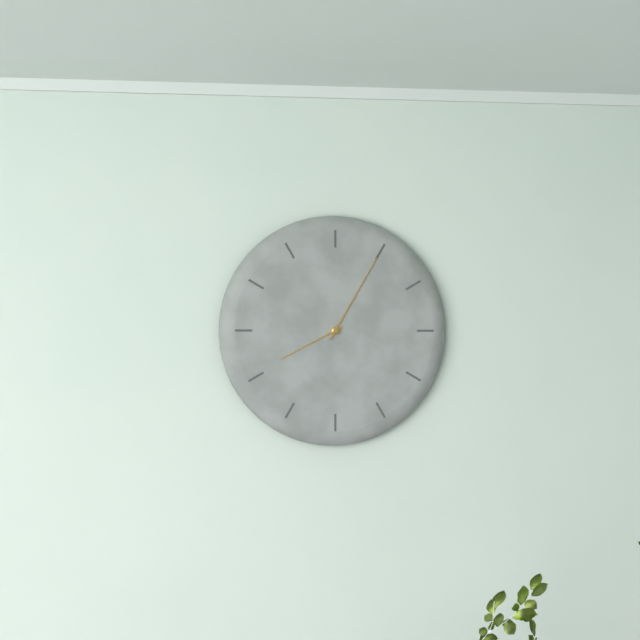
{"hour": 8, "minute": 5}
